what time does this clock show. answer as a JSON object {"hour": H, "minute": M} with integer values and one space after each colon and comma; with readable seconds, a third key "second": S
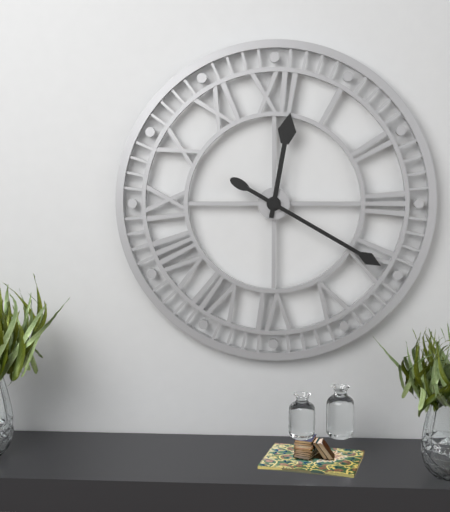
{"hour": 12, "minute": 20}
